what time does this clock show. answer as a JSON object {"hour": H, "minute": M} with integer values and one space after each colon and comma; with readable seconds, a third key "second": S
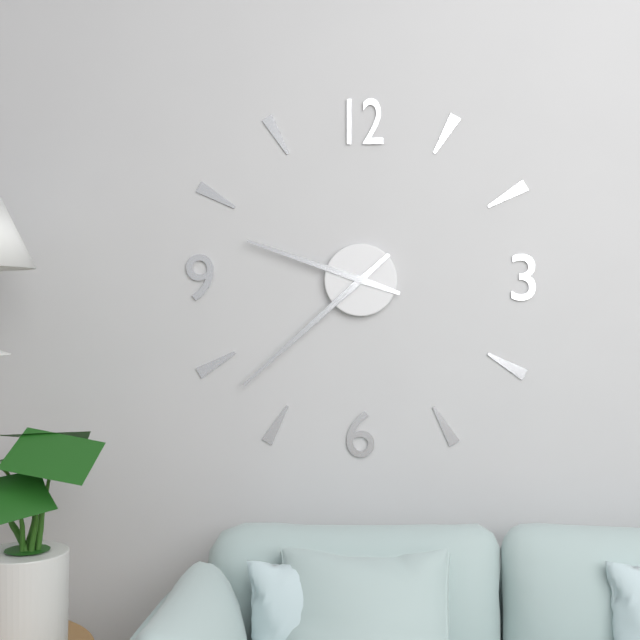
{"hour": 9, "minute": 38}
